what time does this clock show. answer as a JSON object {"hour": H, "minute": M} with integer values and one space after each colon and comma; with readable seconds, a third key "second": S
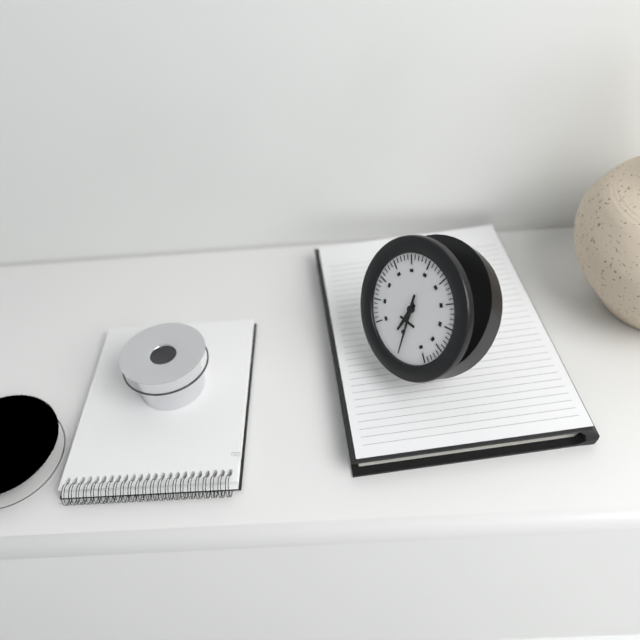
{"hour": 6, "minute": 29}
